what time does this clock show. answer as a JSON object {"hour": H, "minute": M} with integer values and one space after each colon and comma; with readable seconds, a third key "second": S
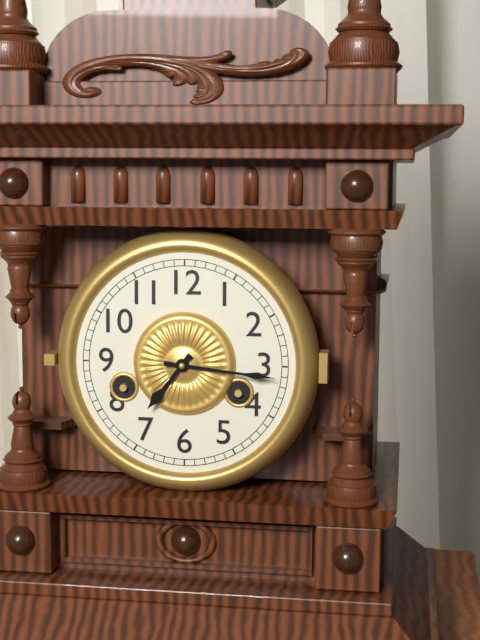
{"hour": 7, "minute": 16}
